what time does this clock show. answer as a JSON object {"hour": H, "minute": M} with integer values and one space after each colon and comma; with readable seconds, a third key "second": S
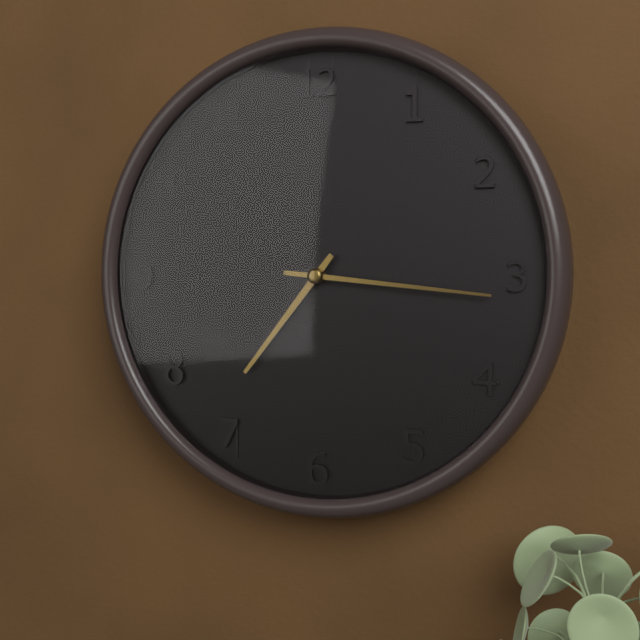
{"hour": 7, "minute": 16}
